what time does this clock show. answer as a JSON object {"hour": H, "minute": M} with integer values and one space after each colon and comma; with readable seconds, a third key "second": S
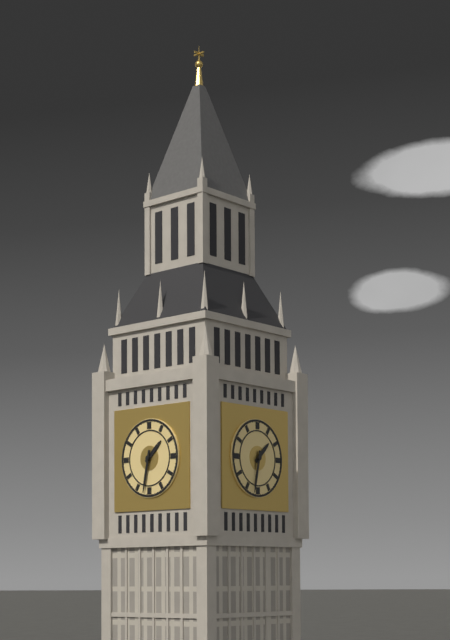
{"hour": 1, "minute": 32}
